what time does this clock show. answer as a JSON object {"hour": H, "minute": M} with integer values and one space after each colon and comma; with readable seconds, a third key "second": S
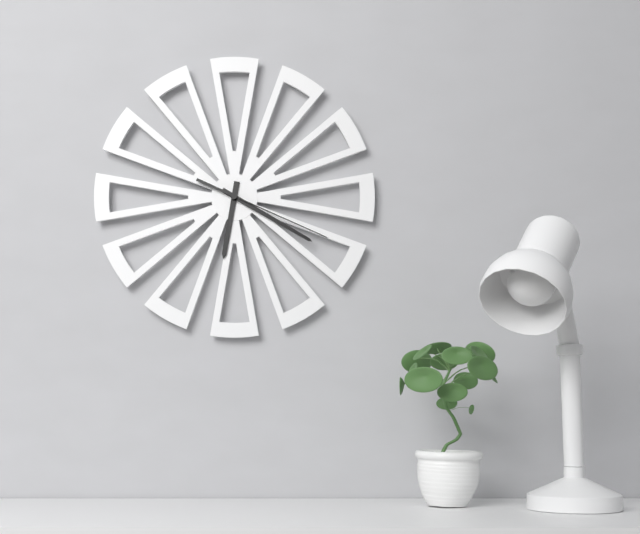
{"hour": 6, "minute": 20, "second": 19}
